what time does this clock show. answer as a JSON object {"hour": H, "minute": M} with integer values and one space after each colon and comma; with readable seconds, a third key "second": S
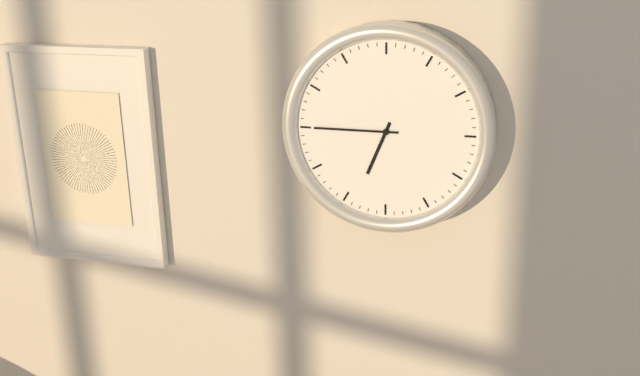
{"hour": 6, "minute": 45}
